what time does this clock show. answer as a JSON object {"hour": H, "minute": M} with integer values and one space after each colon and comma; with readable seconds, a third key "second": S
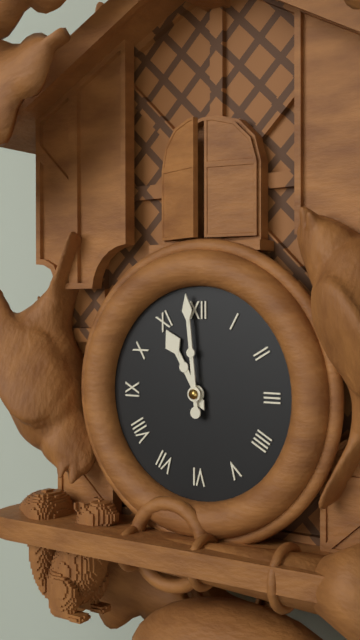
{"hour": 10, "minute": 59}
